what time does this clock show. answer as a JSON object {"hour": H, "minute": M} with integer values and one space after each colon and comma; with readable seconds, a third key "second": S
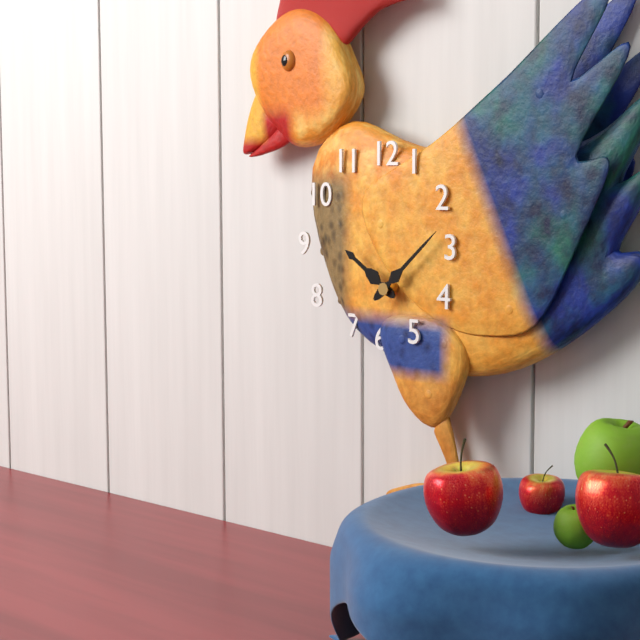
{"hour": 10, "minute": 8}
